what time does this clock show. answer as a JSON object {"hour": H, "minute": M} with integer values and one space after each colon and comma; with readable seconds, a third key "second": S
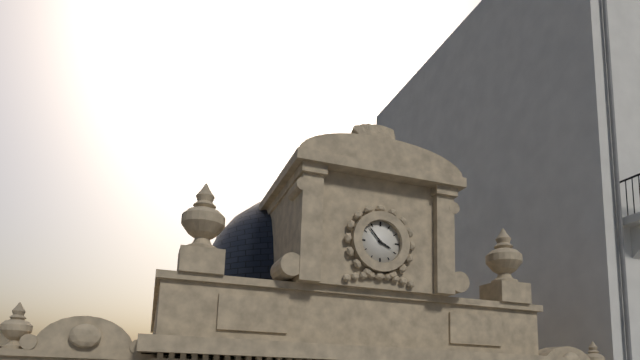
{"hour": 3, "minute": 53}
